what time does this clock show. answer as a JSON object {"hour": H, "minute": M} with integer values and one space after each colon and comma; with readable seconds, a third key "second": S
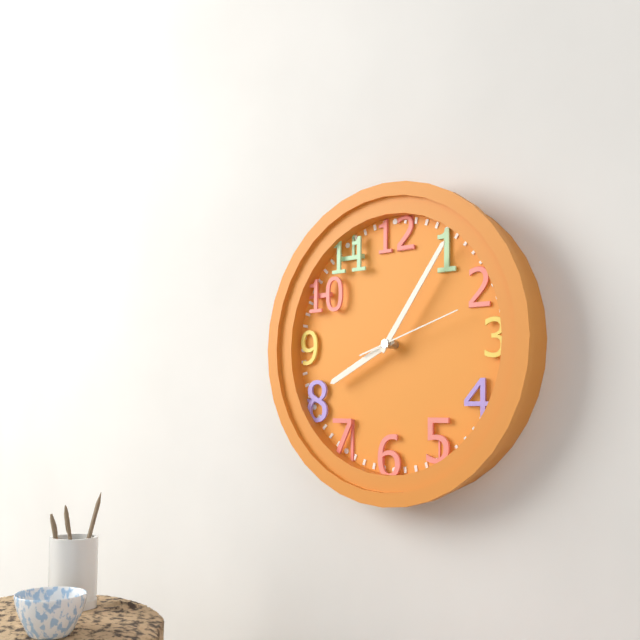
{"hour": 8, "minute": 6, "second": 12}
